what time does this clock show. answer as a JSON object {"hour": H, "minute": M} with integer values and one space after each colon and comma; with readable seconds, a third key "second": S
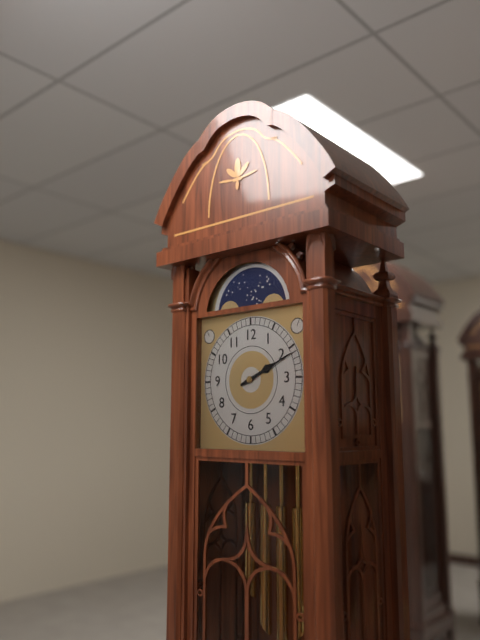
{"hour": 2, "minute": 11}
